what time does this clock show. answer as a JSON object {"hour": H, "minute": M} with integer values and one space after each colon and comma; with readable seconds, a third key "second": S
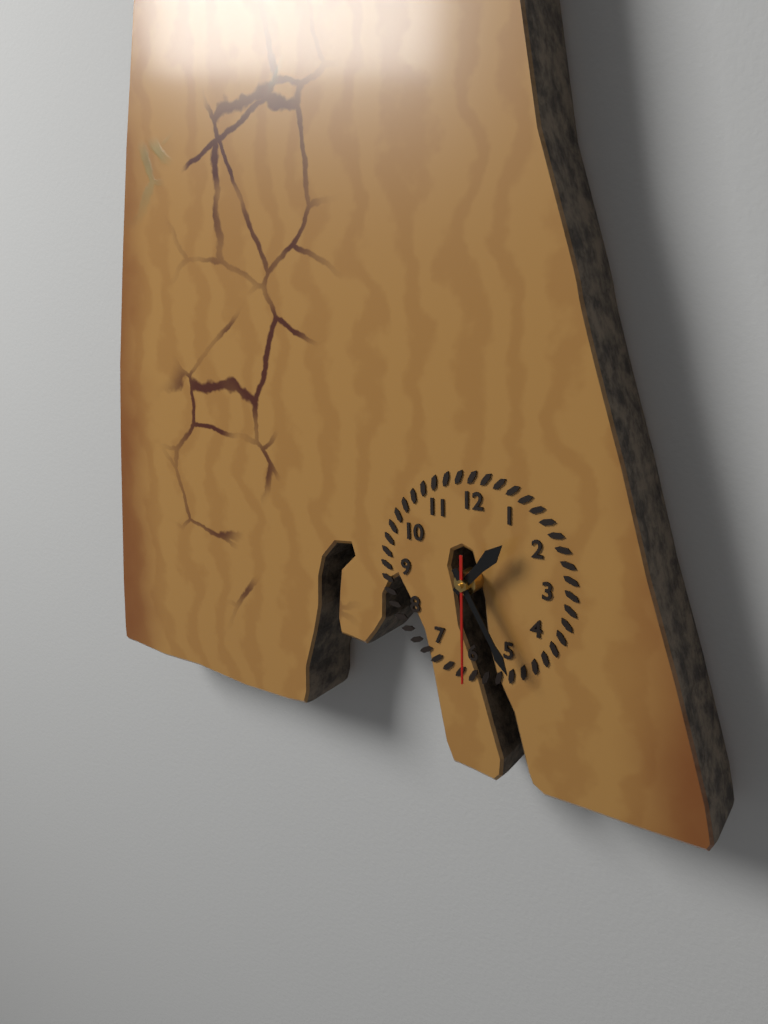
{"hour": 1, "minute": 25, "second": 30}
